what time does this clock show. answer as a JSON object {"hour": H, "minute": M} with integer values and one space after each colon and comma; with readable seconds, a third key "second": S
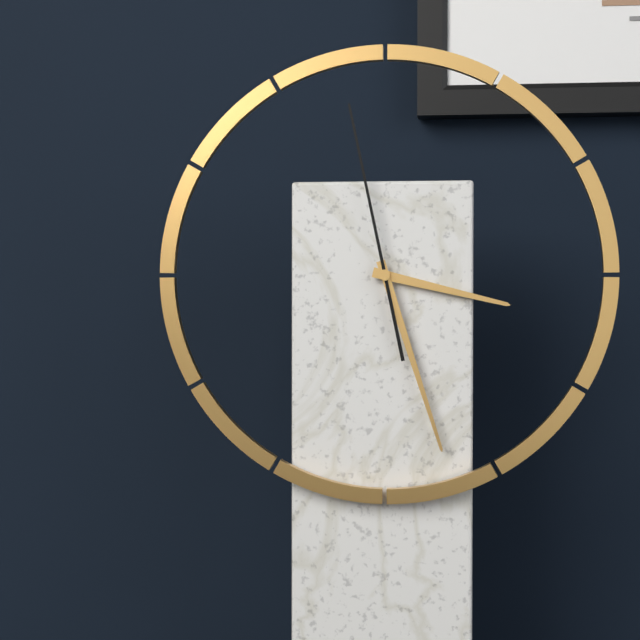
{"hour": 3, "minute": 27, "second": 58}
